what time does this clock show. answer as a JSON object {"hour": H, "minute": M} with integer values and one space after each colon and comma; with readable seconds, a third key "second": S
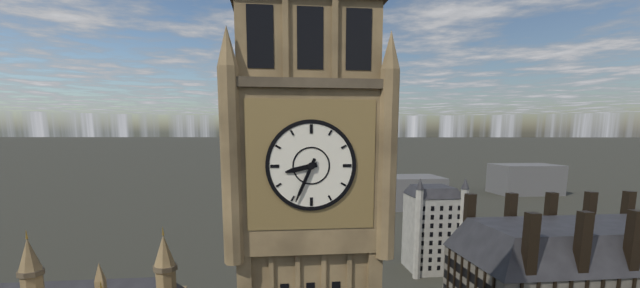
{"hour": 8, "minute": 34}
